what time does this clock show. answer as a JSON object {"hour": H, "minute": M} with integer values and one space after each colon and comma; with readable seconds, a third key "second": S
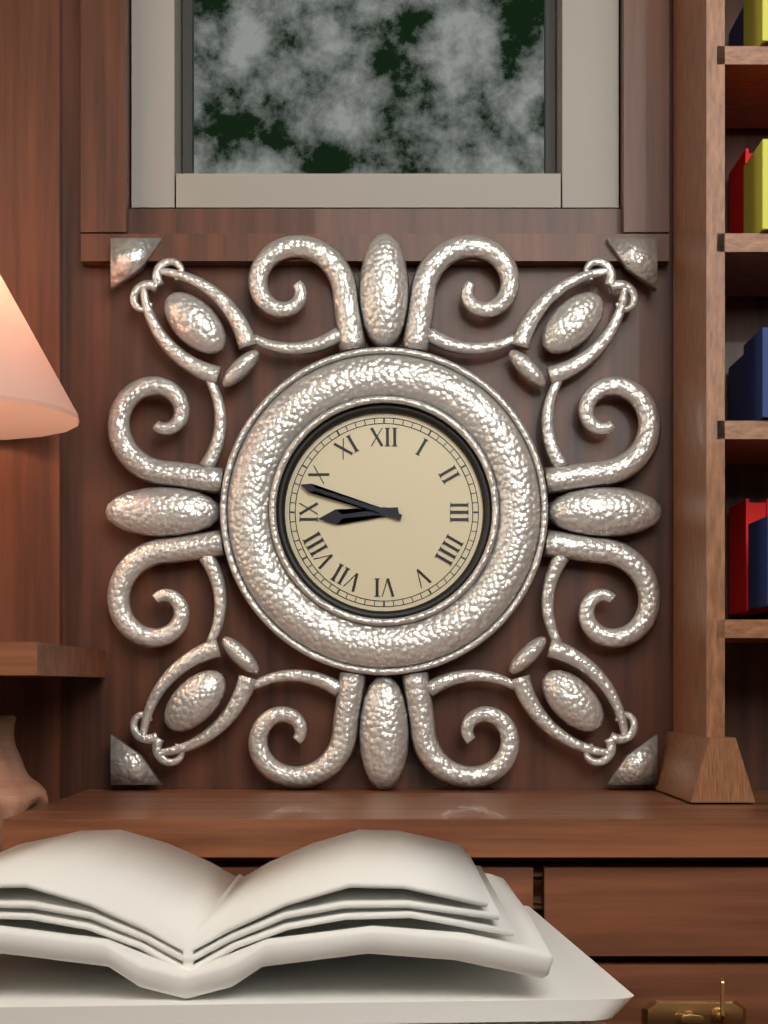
{"hour": 8, "minute": 48}
